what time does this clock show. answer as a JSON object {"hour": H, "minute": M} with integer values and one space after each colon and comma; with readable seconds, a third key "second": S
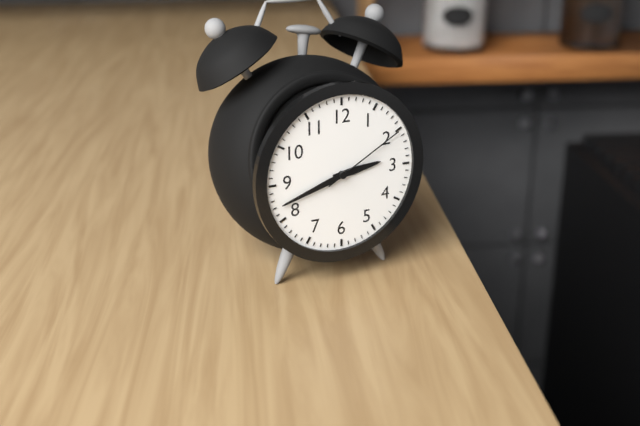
{"hour": 2, "minute": 42, "second": 10}
